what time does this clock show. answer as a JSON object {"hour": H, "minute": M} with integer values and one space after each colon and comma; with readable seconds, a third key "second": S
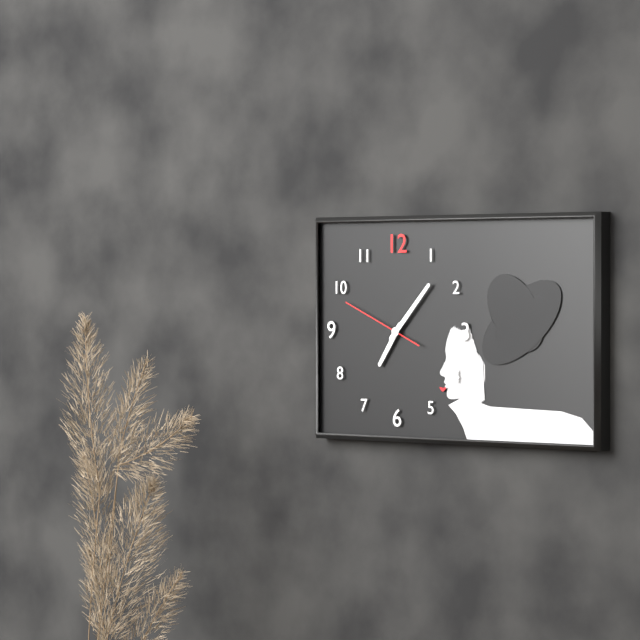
{"hour": 7, "minute": 7, "second": 49}
